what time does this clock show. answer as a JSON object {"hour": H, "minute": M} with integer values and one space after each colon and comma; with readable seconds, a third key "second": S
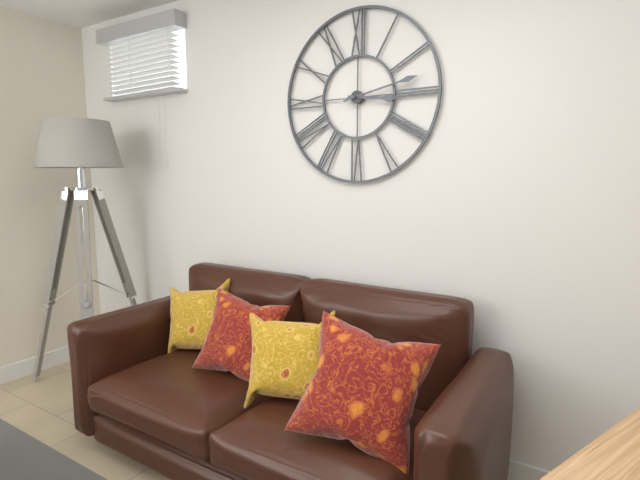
{"hour": 3, "minute": 13}
